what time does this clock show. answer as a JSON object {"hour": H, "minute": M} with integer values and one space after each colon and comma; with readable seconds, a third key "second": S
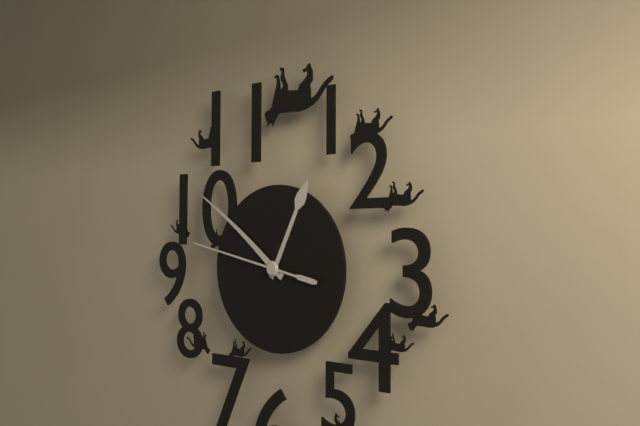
{"hour": 12, "minute": 51, "second": 47}
